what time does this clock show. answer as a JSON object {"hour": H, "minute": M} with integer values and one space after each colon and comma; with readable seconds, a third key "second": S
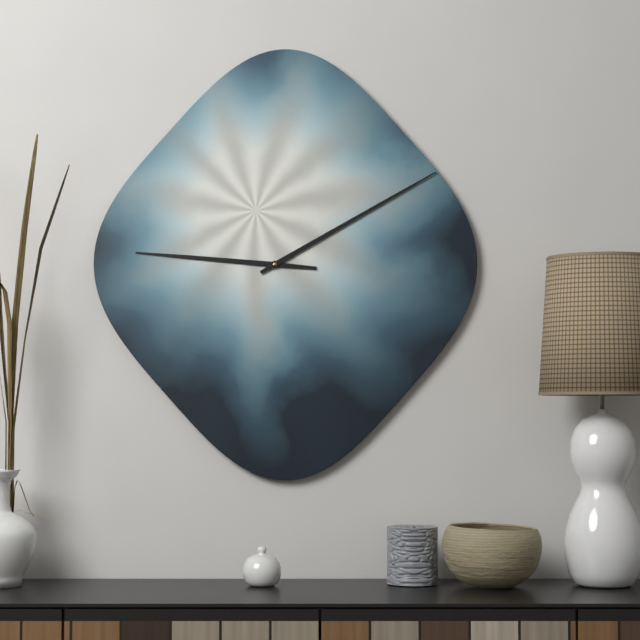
{"hour": 9, "minute": 10}
